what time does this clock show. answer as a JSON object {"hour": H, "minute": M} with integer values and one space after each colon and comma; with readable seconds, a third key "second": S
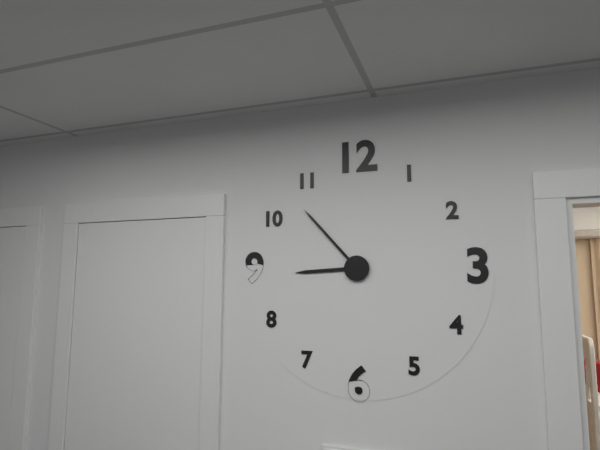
{"hour": 8, "minute": 53}
